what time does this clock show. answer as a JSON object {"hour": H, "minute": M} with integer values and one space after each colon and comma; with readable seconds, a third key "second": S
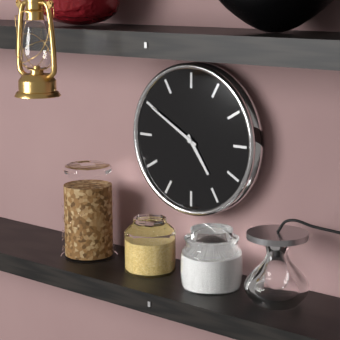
{"hour": 4, "minute": 50}
